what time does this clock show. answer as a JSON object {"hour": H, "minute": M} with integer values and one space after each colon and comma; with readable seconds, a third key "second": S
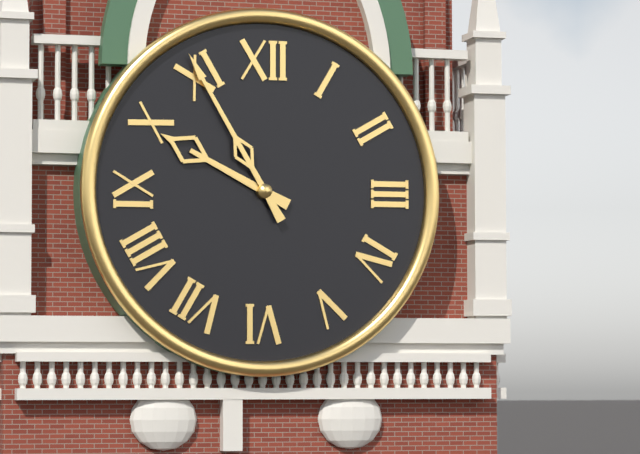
{"hour": 9, "minute": 55}
